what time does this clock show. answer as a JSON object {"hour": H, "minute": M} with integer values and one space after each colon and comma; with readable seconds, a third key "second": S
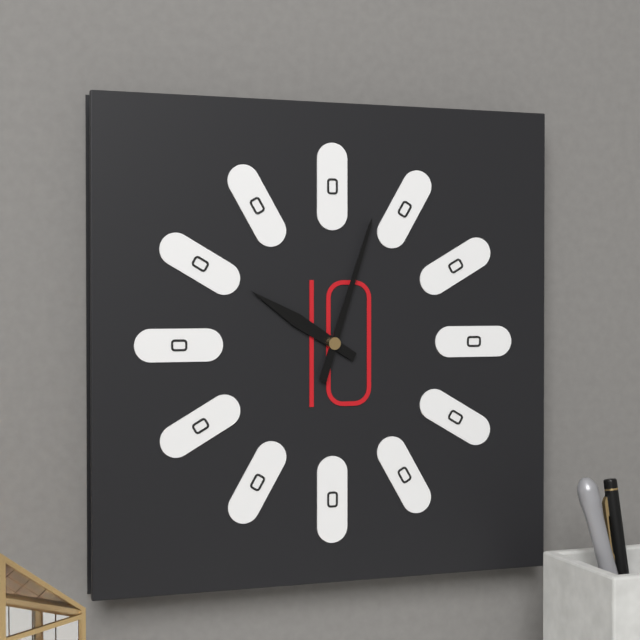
{"hour": 10, "minute": 3}
